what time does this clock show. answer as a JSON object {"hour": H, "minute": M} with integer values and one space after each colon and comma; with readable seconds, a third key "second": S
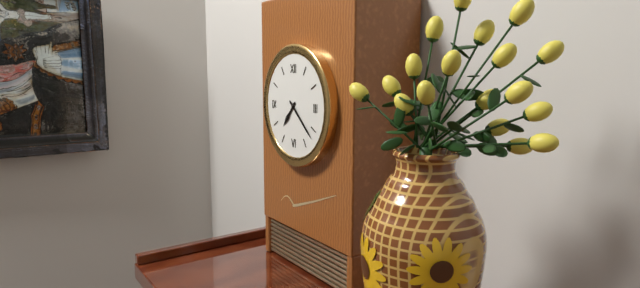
{"hour": 7, "minute": 22}
